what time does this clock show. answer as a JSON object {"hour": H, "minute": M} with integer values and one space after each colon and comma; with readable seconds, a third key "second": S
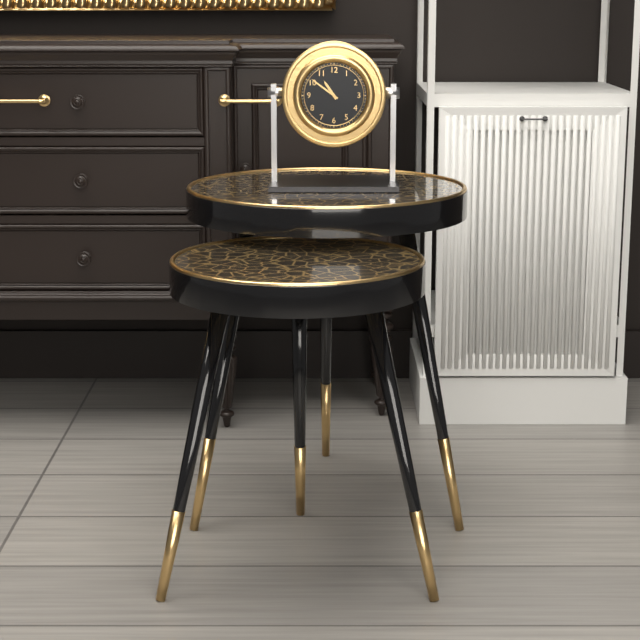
{"hour": 10, "minute": 51}
